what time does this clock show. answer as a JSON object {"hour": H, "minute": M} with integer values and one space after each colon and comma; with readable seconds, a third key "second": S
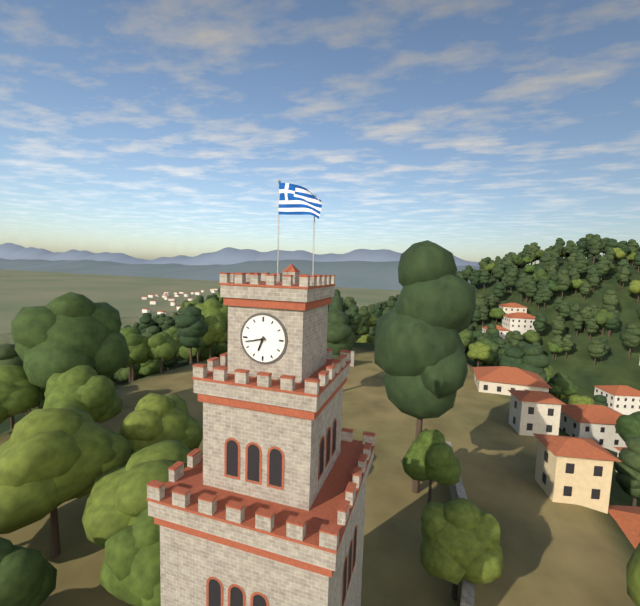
{"hour": 6, "minute": 43}
